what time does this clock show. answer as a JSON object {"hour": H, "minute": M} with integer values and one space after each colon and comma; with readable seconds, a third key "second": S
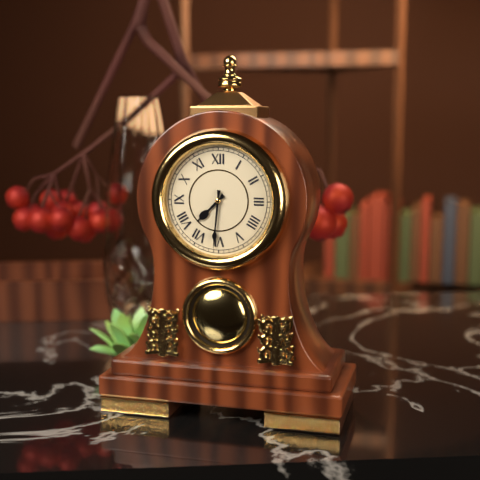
{"hour": 7, "minute": 31}
